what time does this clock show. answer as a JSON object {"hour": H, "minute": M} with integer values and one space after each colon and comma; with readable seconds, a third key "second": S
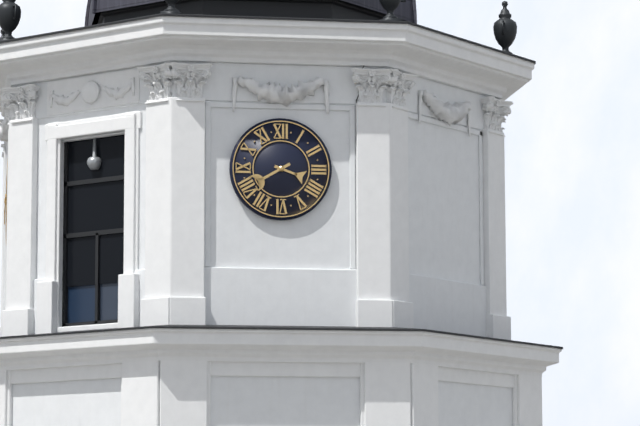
{"hour": 3, "minute": 40}
